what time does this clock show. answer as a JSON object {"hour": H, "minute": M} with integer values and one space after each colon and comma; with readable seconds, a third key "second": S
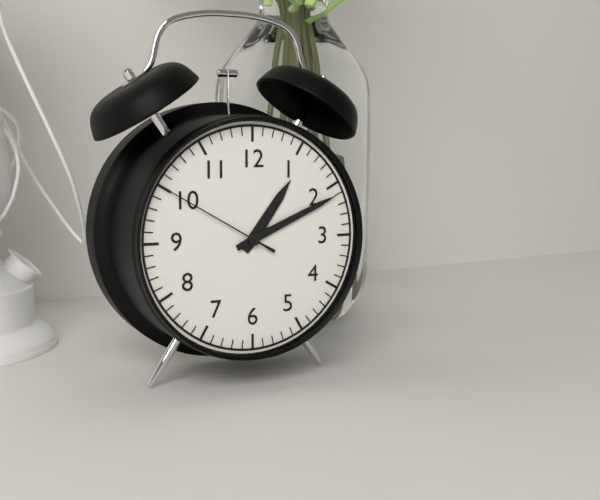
{"hour": 1, "minute": 11, "second": 50}
